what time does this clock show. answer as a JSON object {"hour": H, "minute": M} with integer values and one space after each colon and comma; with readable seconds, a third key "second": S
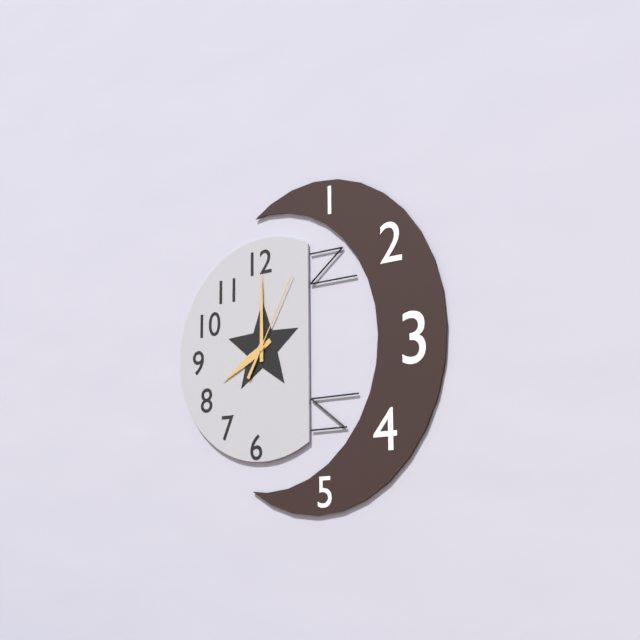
{"hour": 8, "minute": 0, "second": 5}
